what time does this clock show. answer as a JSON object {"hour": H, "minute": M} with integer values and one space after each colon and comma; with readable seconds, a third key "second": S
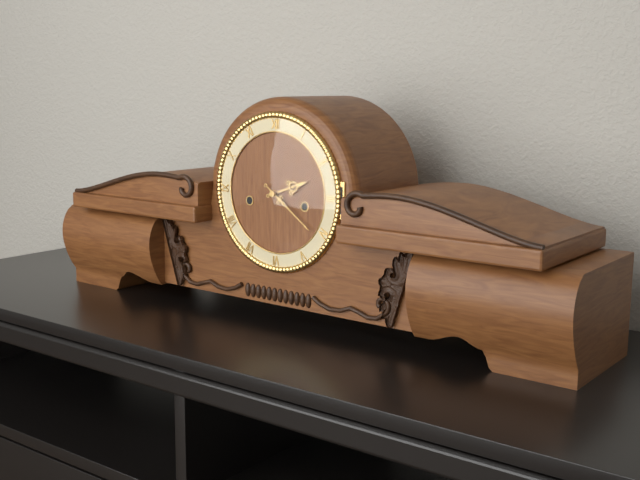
{"hour": 2, "minute": 21}
